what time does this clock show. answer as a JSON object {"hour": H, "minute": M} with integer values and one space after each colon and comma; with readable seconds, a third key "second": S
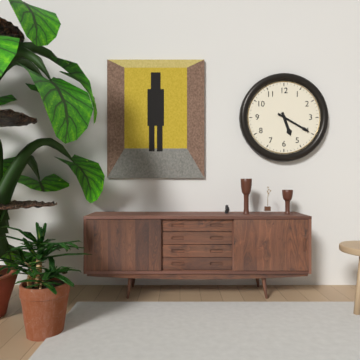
{"hour": 5, "minute": 20}
